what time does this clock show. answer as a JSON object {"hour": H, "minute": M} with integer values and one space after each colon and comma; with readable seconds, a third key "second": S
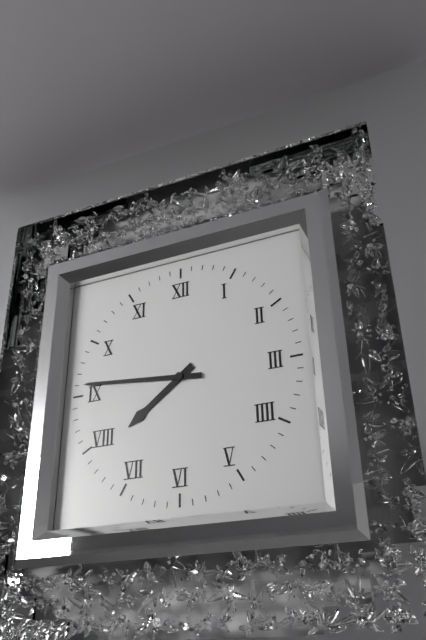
{"hour": 7, "minute": 46}
